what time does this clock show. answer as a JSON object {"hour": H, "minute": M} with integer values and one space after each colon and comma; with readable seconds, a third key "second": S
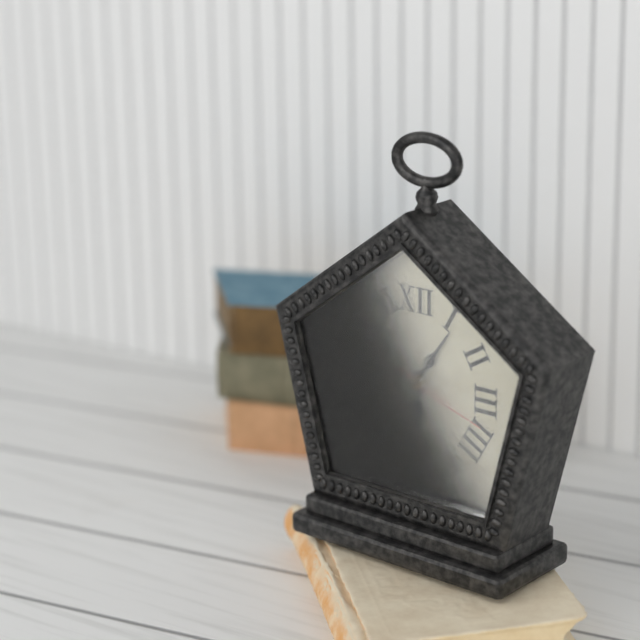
{"hour": 6, "minute": 6, "second": 18}
